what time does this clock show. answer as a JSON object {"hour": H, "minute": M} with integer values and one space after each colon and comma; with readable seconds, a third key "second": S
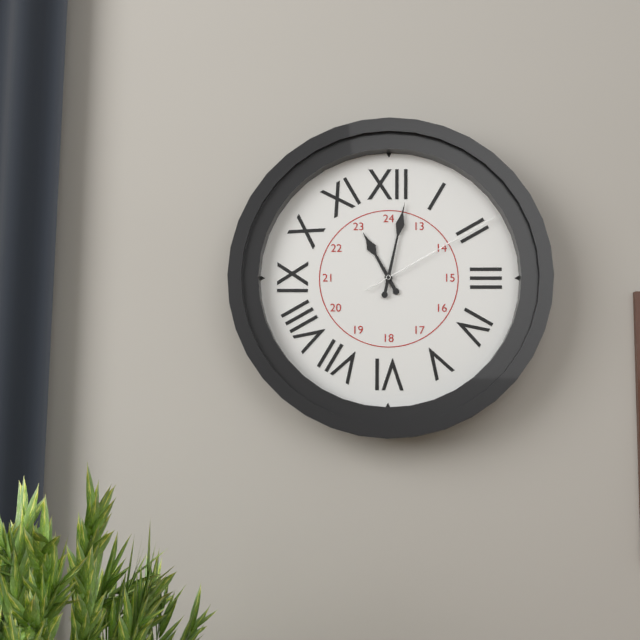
{"hour": 11, "minute": 2, "second": 10}
